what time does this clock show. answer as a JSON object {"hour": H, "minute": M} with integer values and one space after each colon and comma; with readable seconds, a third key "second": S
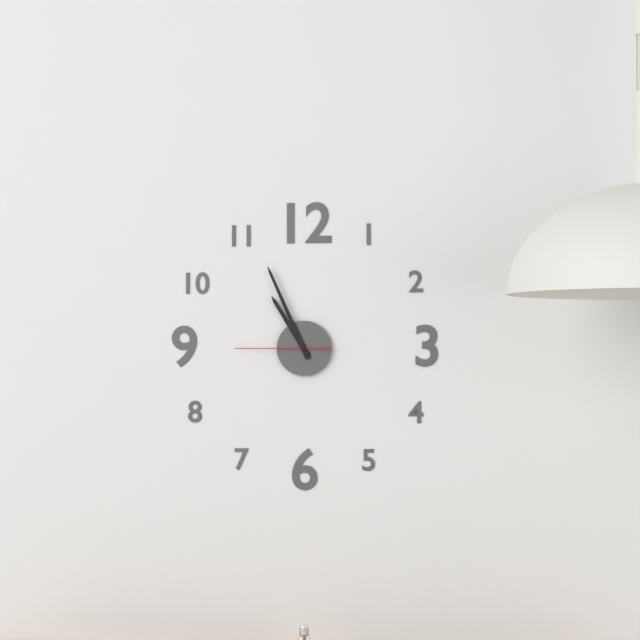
{"hour": 10, "minute": 56, "second": 45}
